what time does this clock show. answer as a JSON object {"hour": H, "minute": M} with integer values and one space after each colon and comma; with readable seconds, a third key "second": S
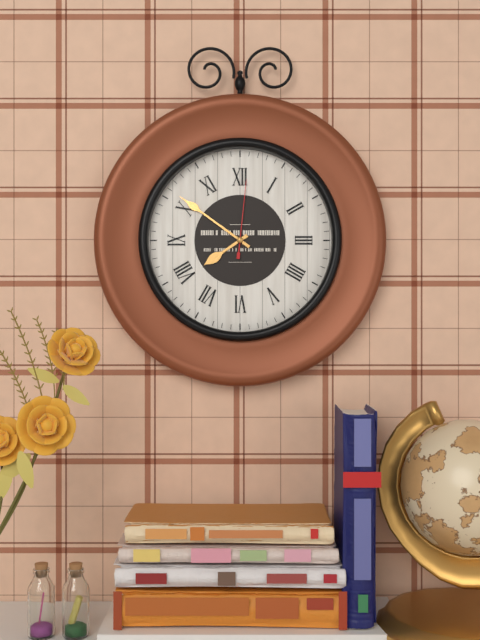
{"hour": 7, "minute": 51, "second": 1}
